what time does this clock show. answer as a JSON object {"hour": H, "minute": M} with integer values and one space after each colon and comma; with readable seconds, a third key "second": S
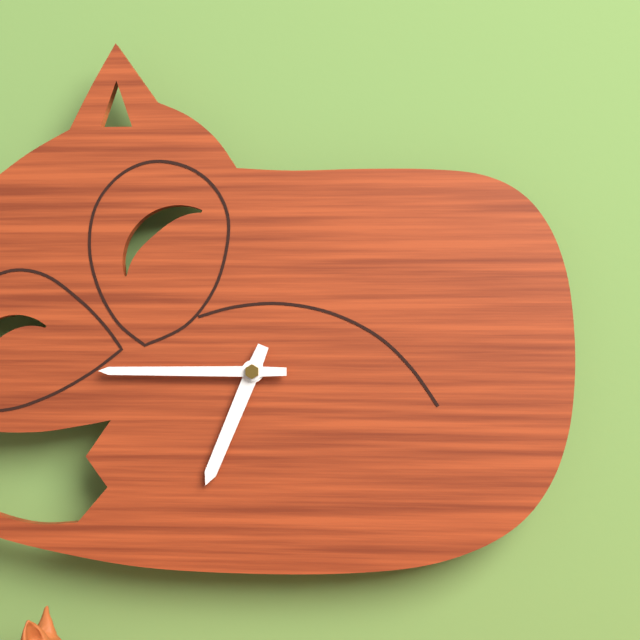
{"hour": 6, "minute": 45}
